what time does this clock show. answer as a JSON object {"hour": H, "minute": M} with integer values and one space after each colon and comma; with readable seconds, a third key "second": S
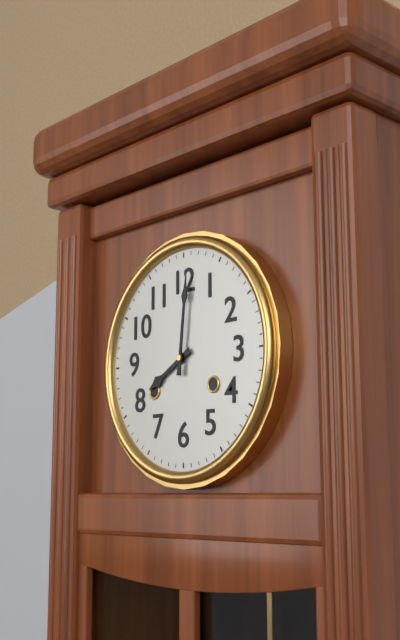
{"hour": 8, "minute": 1}
